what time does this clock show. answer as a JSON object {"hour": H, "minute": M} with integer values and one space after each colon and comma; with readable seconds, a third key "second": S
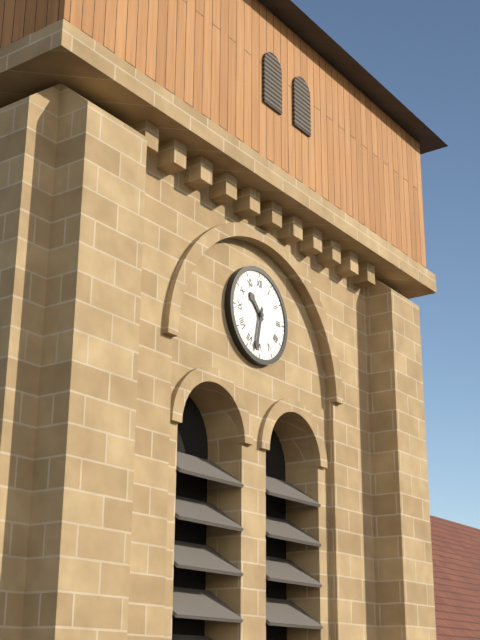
{"hour": 10, "minute": 32}
